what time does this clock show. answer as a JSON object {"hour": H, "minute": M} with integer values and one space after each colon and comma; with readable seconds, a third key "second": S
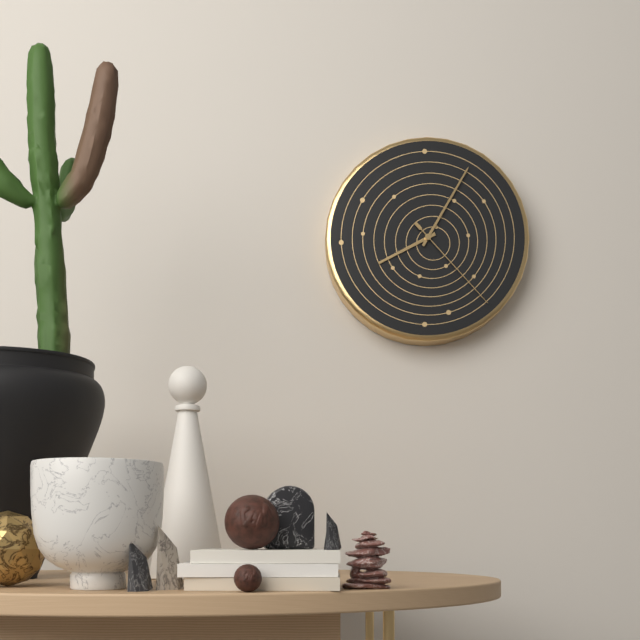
{"hour": 8, "minute": 5, "second": 23}
